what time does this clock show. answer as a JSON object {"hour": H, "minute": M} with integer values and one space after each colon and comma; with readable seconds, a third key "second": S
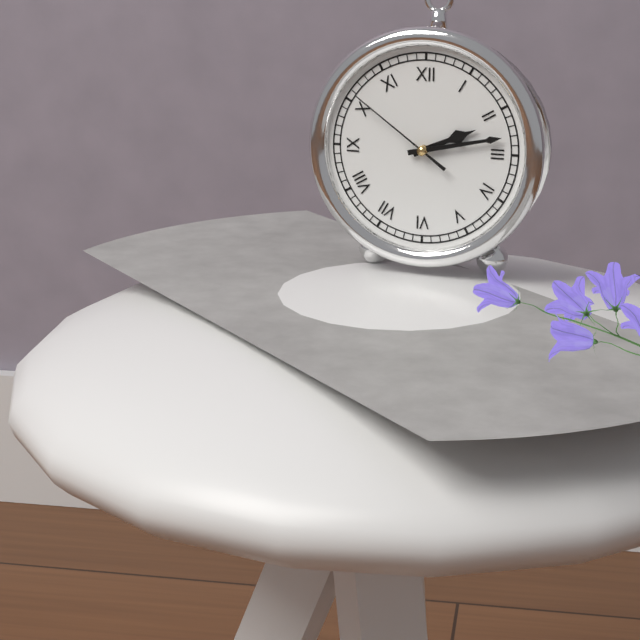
{"hour": 2, "minute": 13, "second": 51}
